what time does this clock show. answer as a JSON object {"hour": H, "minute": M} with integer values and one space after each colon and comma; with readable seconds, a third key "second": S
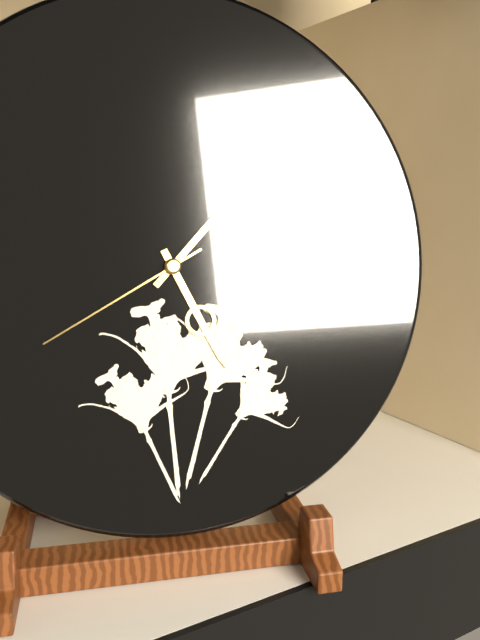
{"hour": 5, "minute": 7, "second": 40}
